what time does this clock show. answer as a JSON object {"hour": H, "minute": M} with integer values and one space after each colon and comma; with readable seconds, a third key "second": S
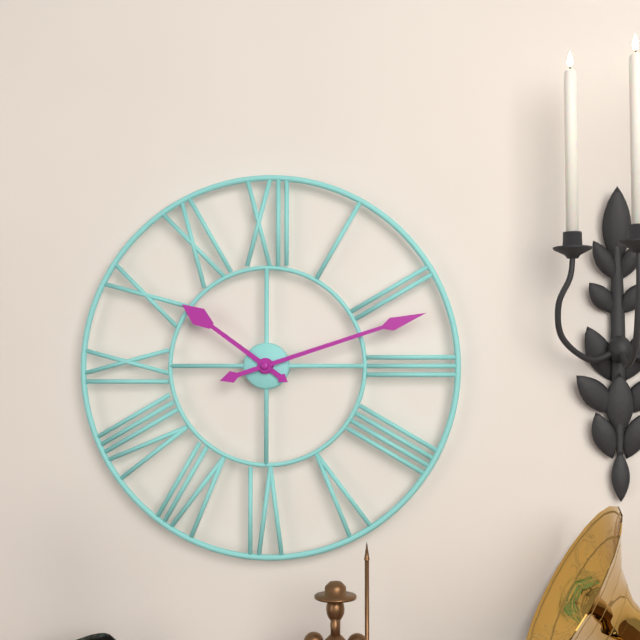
{"hour": 10, "minute": 12}
